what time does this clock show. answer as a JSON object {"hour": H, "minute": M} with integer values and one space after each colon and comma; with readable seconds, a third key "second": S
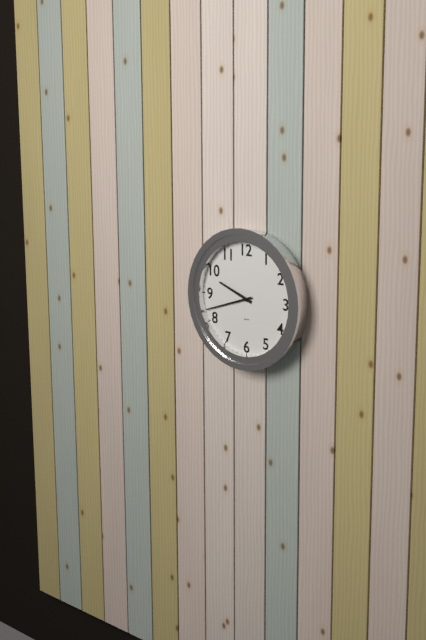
{"hour": 9, "minute": 42}
